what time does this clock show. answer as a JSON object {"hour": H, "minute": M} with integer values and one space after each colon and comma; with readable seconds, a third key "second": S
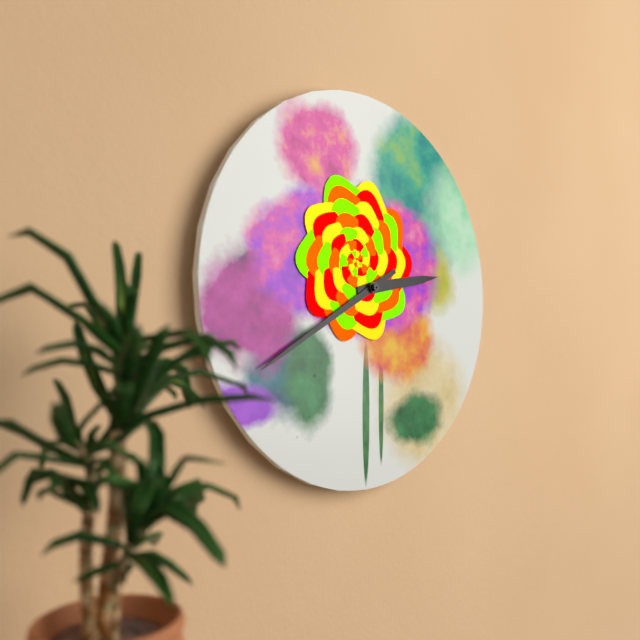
{"hour": 2, "minute": 40}
